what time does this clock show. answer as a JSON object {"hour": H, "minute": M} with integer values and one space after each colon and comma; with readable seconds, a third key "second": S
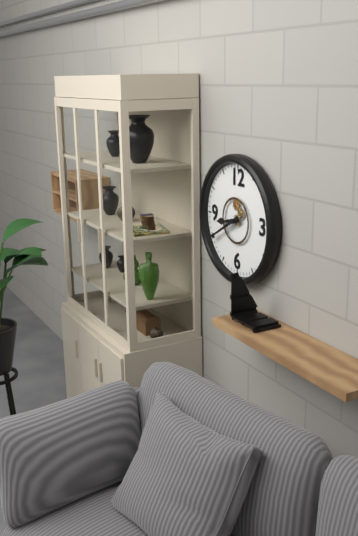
{"hour": 8, "minute": 40}
